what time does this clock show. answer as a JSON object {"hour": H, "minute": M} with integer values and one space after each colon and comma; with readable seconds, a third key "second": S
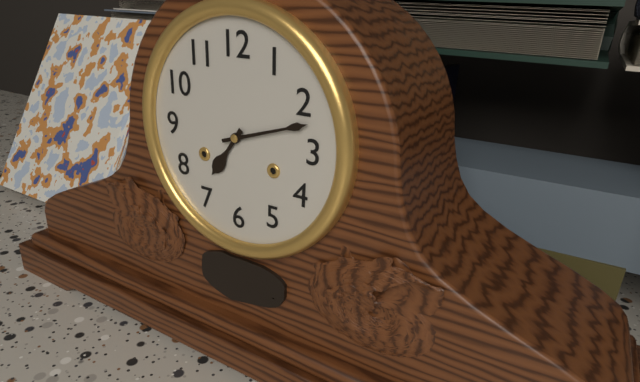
{"hour": 7, "minute": 12}
